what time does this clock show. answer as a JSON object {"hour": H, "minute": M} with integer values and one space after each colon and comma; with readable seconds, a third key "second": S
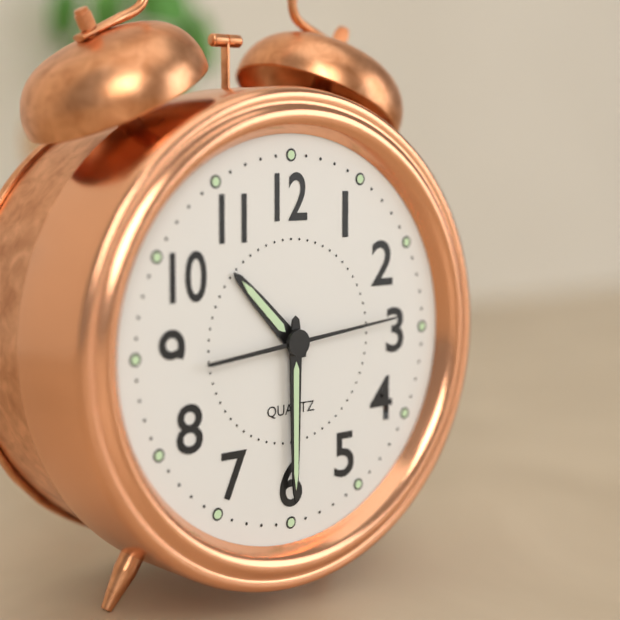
{"hour": 10, "minute": 30, "second": 14}
